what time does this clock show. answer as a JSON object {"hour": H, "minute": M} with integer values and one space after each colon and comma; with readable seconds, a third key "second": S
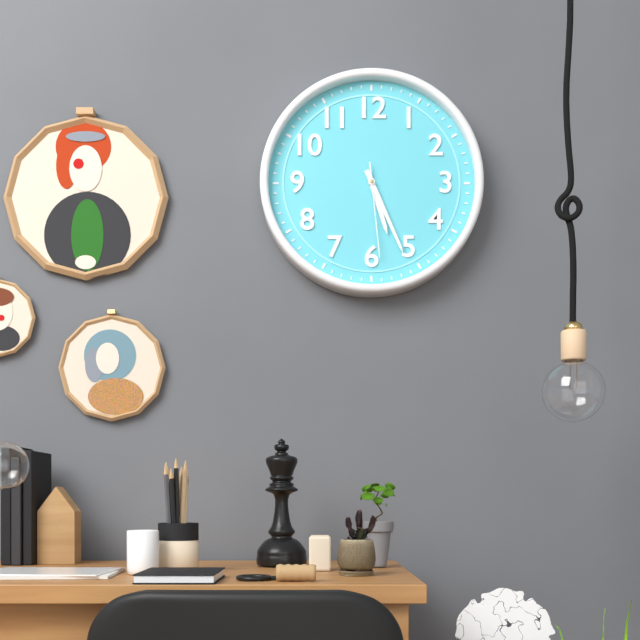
{"hour": 5, "minute": 26, "second": 29}
